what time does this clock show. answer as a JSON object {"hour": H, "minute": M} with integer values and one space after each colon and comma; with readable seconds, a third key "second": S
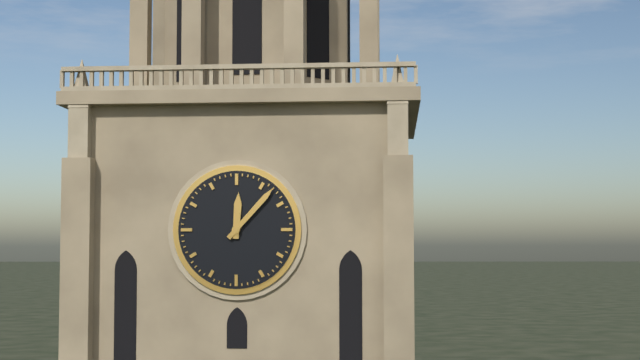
{"hour": 12, "minute": 7}
